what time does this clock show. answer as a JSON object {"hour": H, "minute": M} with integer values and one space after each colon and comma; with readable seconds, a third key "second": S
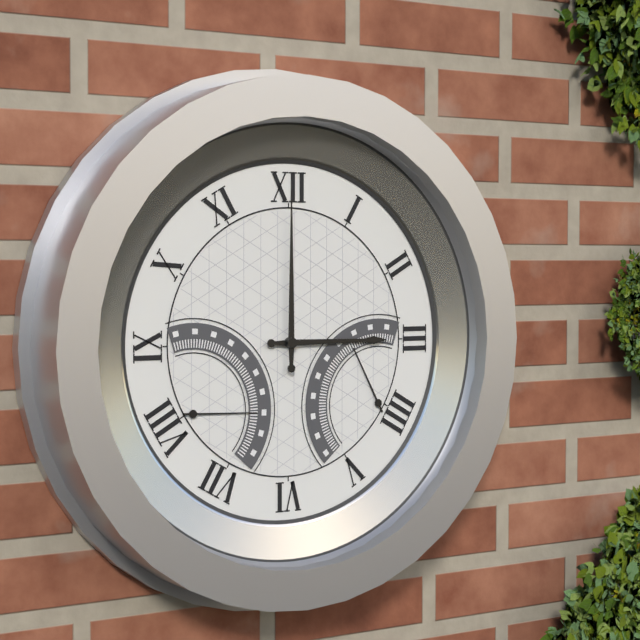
{"hour": 3, "minute": 0}
